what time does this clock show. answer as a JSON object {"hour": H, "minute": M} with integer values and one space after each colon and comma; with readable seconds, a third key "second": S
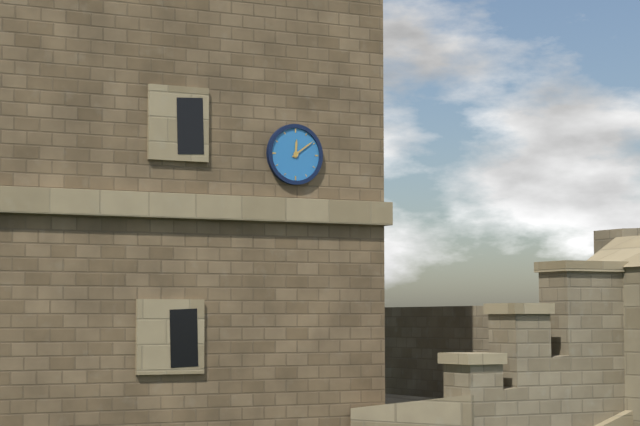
{"hour": 12, "minute": 9}
